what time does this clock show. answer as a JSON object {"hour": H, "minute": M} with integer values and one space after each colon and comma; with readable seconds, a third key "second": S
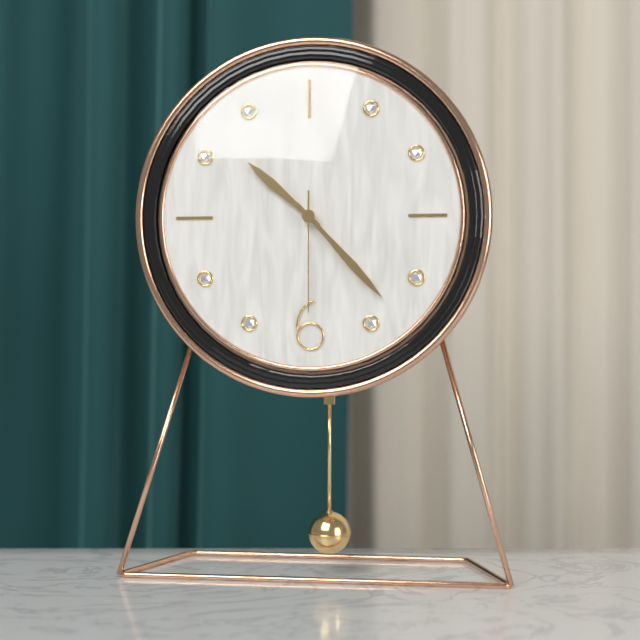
{"hour": 10, "minute": 23, "second": 30}
